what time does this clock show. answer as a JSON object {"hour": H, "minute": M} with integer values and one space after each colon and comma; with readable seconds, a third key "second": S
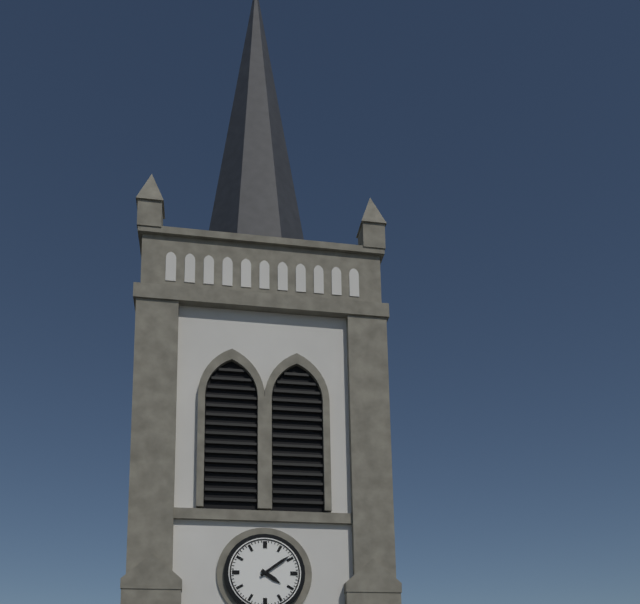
{"hour": 4, "minute": 9}
